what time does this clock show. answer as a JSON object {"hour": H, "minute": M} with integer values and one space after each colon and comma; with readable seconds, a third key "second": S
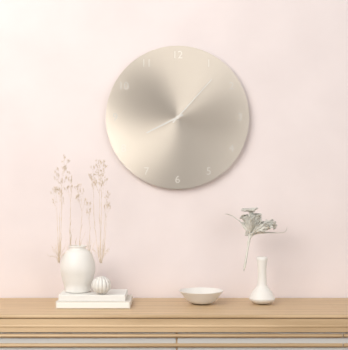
{"hour": 8, "minute": 7}
